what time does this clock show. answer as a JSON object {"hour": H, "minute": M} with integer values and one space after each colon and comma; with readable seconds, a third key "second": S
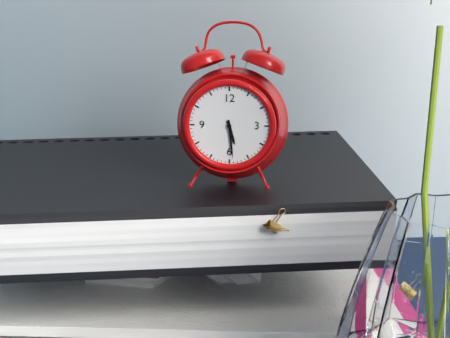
{"hour": 5, "minute": 29}
